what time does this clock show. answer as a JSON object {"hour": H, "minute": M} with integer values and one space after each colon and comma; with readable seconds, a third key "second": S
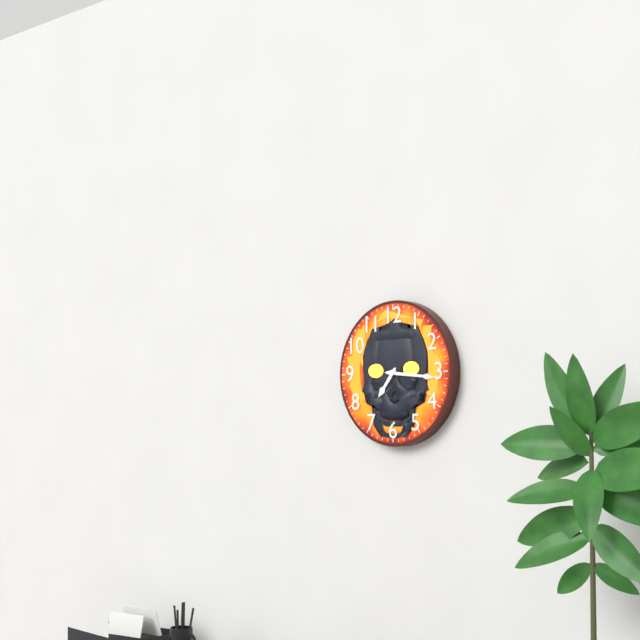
{"hour": 7, "minute": 16}
